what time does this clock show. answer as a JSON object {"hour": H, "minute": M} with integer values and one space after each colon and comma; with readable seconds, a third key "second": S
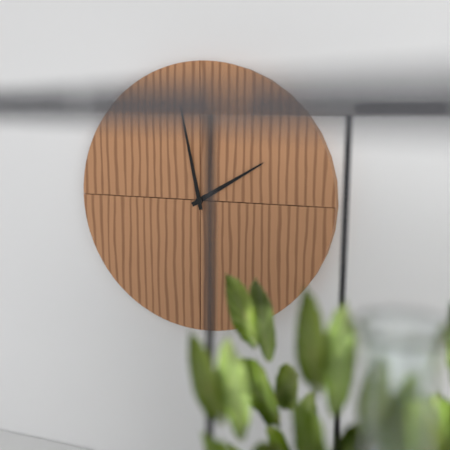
{"hour": 1, "minute": 58}
